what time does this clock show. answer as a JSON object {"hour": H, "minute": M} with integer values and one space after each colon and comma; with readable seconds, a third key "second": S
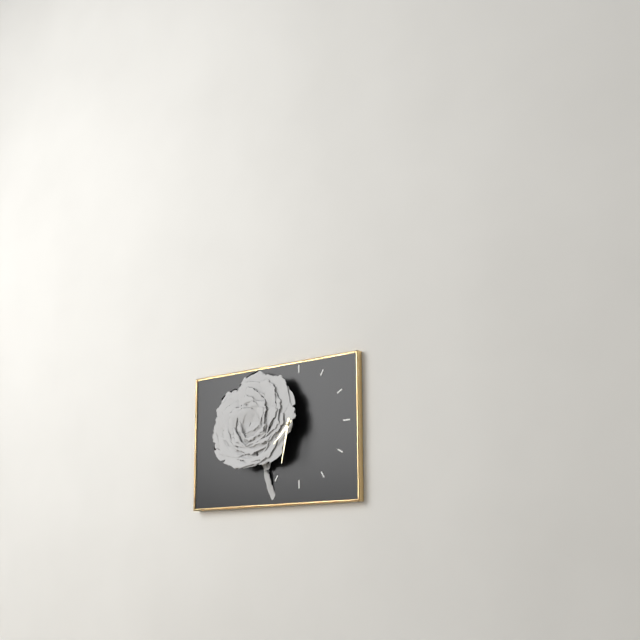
{"hour": 7, "minute": 32}
